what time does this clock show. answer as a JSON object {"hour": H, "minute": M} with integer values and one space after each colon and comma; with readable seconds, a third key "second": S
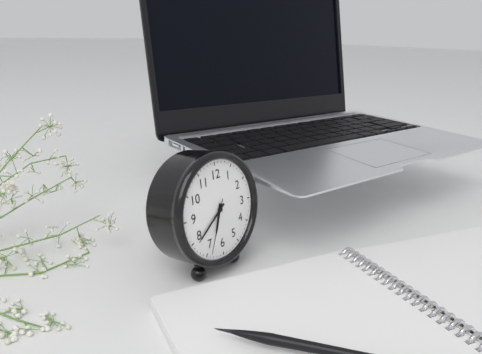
{"hour": 6, "minute": 39, "second": 34}
